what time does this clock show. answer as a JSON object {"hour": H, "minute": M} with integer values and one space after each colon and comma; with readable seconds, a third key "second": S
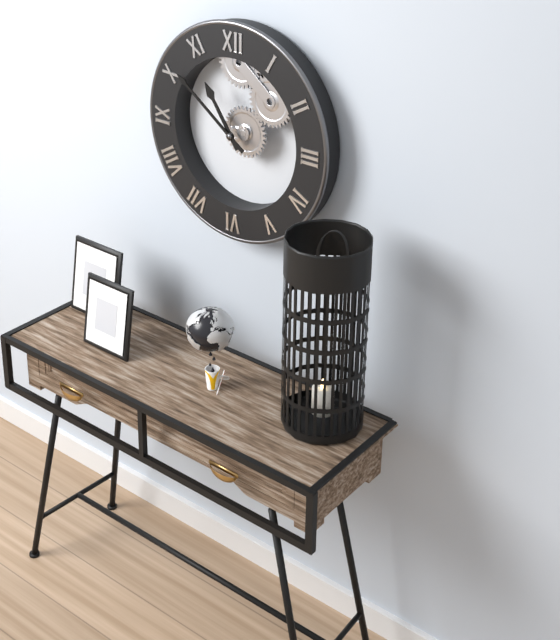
{"hour": 10, "minute": 51}
